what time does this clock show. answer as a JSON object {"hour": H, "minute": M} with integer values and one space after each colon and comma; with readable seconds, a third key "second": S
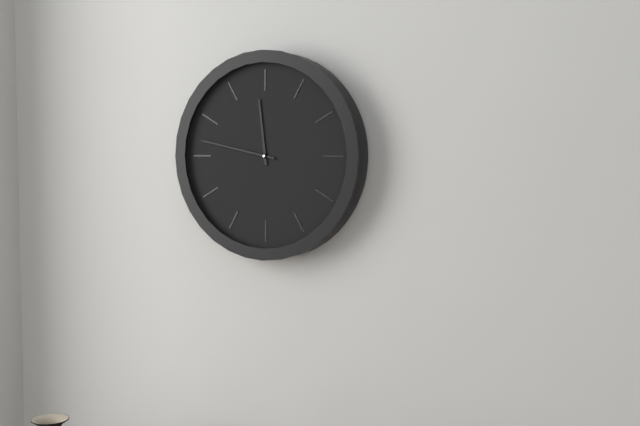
{"hour": 11, "minute": 47}
